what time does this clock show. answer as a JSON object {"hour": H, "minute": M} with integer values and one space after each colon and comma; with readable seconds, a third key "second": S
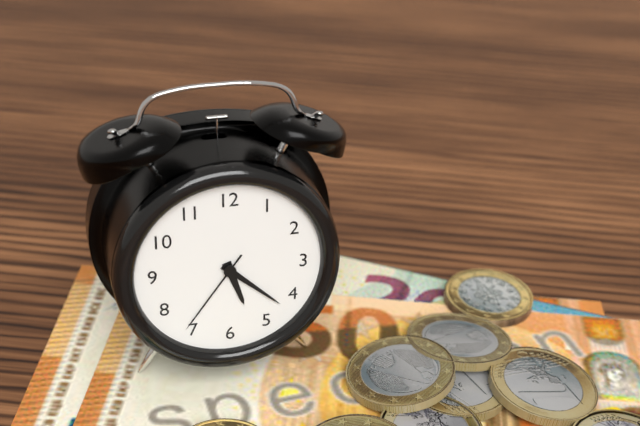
{"hour": 5, "minute": 22, "second": 36}
